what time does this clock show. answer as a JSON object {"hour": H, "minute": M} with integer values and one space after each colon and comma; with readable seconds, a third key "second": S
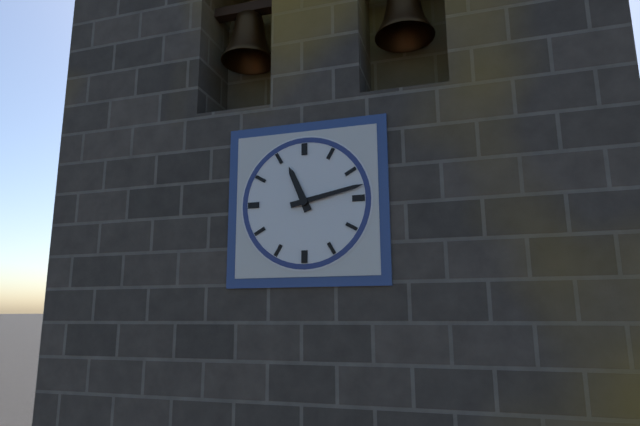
{"hour": 11, "minute": 13}
